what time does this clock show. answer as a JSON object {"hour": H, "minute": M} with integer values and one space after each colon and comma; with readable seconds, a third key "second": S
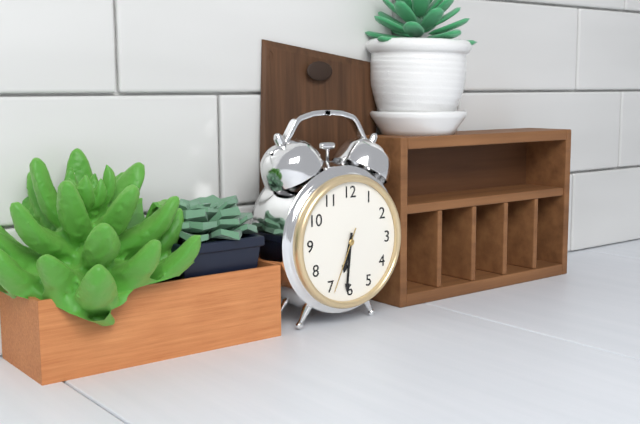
{"hour": 6, "minute": 31, "second": 34}
